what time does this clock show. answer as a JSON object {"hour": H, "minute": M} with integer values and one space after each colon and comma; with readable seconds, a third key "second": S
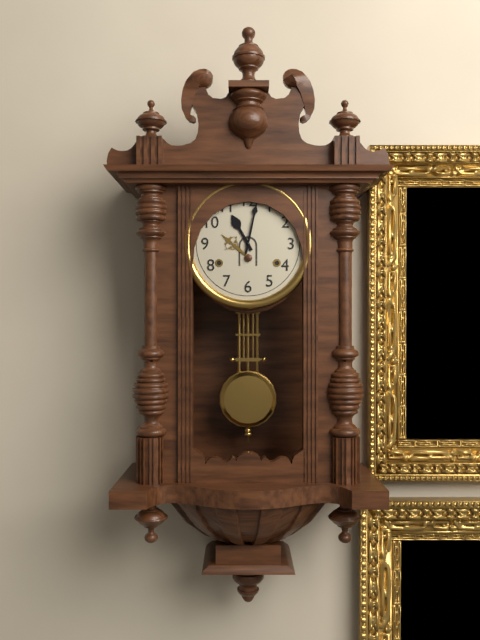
{"hour": 11, "minute": 2}
